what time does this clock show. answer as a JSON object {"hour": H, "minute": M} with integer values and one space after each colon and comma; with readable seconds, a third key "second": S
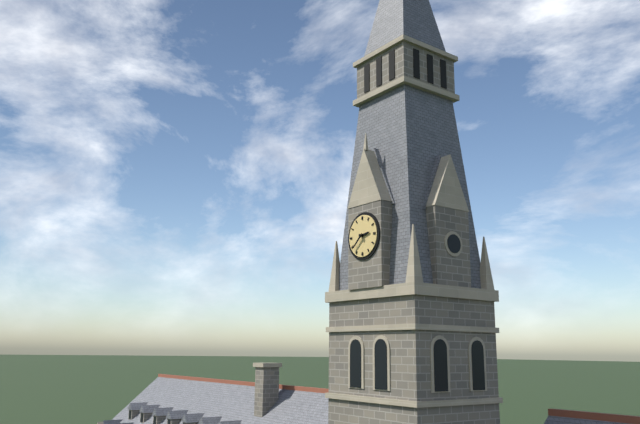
{"hour": 2, "minute": 38}
